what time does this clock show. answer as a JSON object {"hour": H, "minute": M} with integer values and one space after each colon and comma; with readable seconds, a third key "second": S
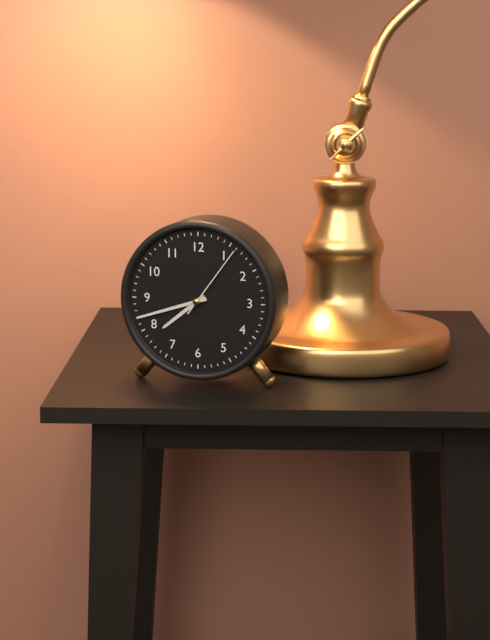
{"hour": 7, "minute": 42, "second": 6}
